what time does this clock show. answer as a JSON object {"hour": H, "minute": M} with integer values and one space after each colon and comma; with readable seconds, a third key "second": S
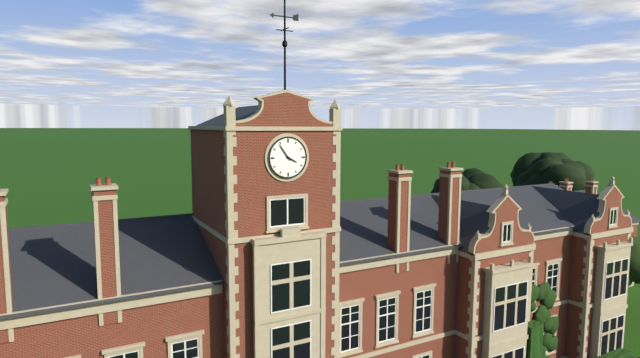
{"hour": 3, "minute": 54}
